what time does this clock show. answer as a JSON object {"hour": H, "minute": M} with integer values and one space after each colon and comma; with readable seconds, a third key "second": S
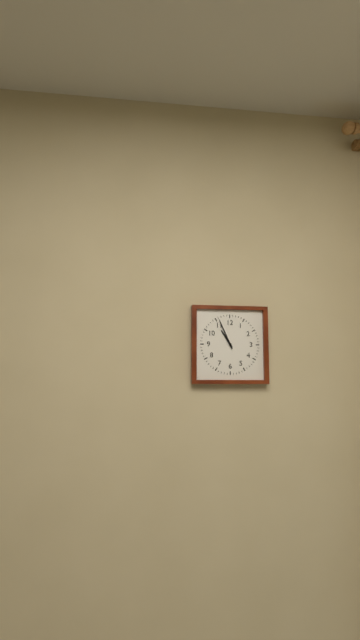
{"hour": 10, "minute": 56}
